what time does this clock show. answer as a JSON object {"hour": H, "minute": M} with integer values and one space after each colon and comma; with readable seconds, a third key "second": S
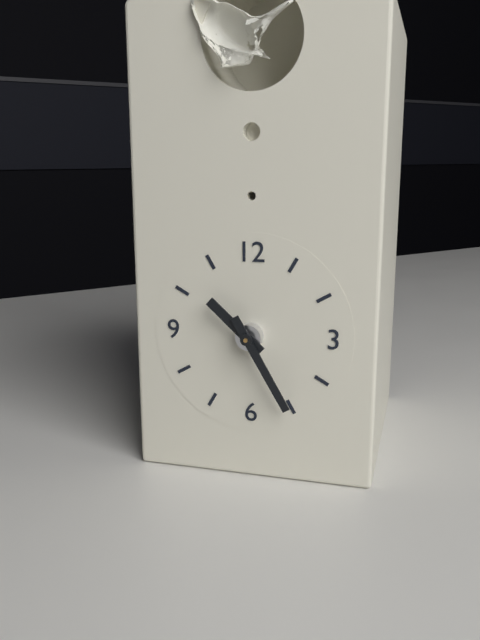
{"hour": 10, "minute": 25}
